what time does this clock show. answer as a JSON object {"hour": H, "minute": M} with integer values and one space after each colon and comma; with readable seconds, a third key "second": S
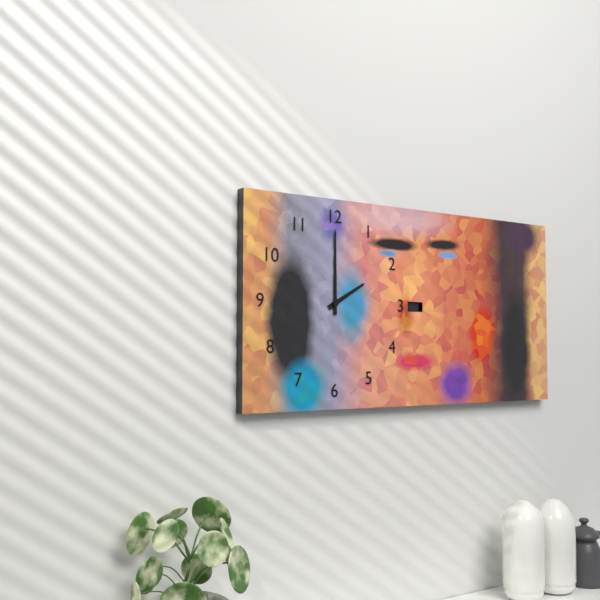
{"hour": 2, "minute": 0}
